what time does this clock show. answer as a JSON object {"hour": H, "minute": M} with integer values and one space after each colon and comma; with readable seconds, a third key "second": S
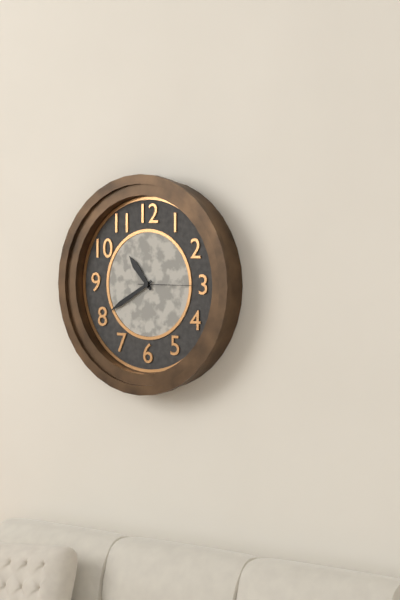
{"hour": 10, "minute": 40, "second": 15}
